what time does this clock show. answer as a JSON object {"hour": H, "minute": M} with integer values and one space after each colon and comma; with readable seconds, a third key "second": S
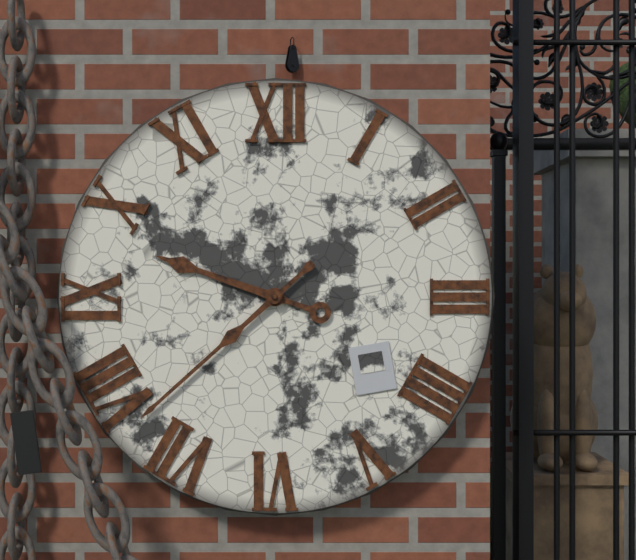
{"hour": 9, "minute": 38}
